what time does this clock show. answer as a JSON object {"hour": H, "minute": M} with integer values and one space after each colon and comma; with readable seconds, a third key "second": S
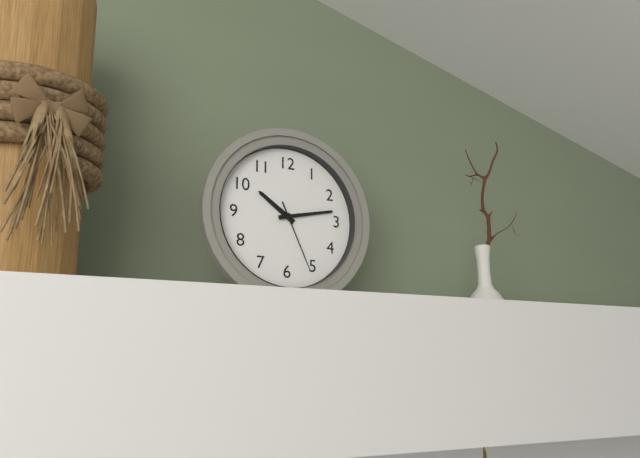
{"hour": 10, "minute": 13, "second": 26}
